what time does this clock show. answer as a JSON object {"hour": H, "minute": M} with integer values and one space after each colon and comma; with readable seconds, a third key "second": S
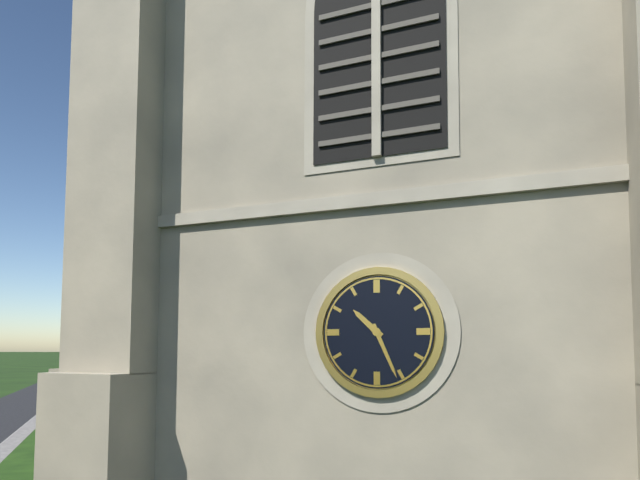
{"hour": 10, "minute": 26}
